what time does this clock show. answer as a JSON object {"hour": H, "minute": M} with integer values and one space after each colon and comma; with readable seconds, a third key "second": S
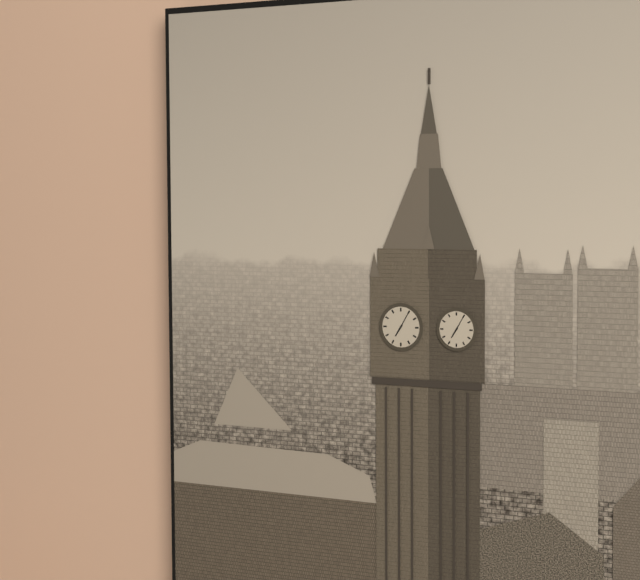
{"hour": 7, "minute": 5}
